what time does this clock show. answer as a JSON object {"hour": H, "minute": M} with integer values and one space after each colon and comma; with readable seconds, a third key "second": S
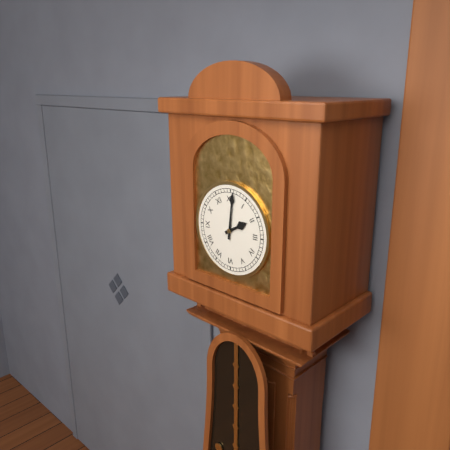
{"hour": 2, "minute": 1}
